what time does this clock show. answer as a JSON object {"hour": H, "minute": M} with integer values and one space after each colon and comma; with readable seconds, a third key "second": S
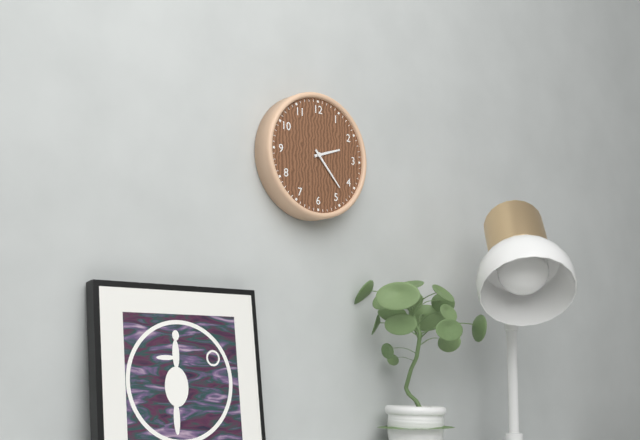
{"hour": 2, "minute": 23}
